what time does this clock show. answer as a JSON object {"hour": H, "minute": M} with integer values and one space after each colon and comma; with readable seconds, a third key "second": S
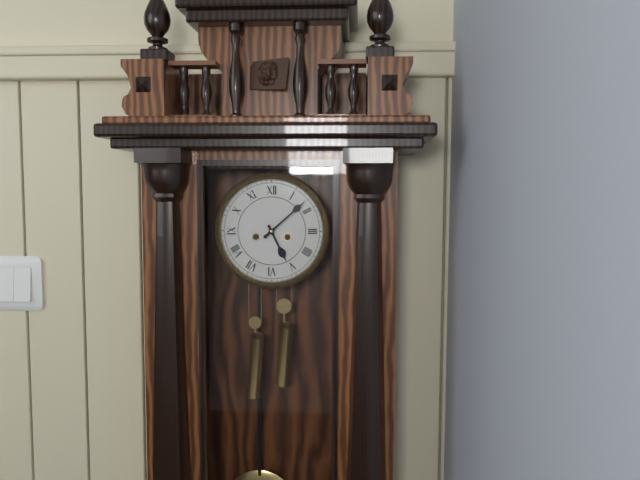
{"hour": 5, "minute": 8}
